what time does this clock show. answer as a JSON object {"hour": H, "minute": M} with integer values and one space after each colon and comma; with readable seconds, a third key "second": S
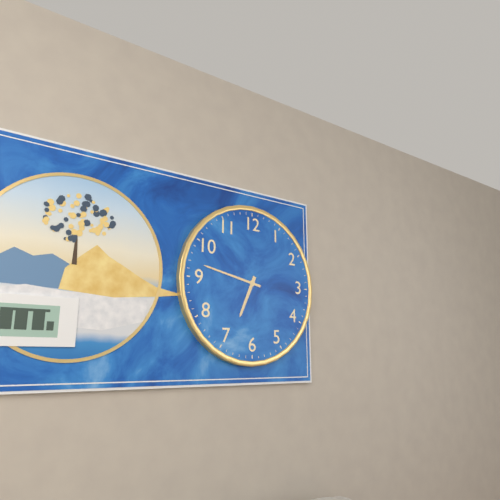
{"hour": 6, "minute": 47}
